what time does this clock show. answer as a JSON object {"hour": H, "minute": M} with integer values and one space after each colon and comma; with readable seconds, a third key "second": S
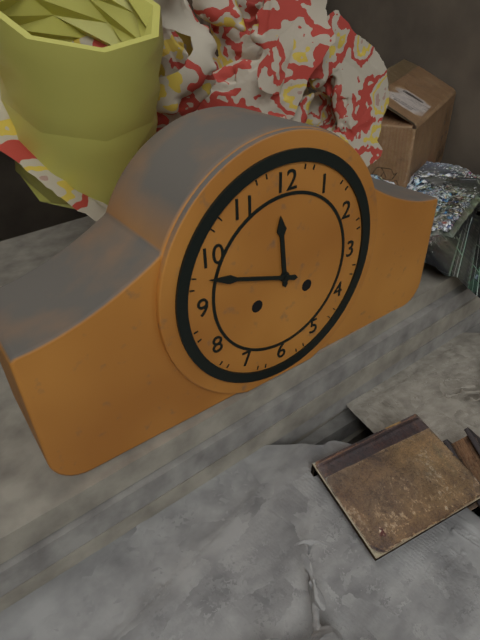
{"hour": 11, "minute": 48}
